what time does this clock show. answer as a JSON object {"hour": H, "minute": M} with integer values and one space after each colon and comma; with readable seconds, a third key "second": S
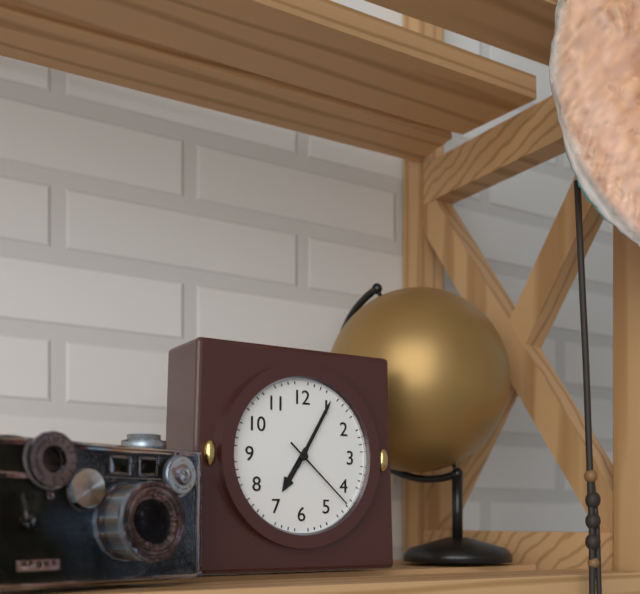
{"hour": 7, "minute": 5, "second": 22}
